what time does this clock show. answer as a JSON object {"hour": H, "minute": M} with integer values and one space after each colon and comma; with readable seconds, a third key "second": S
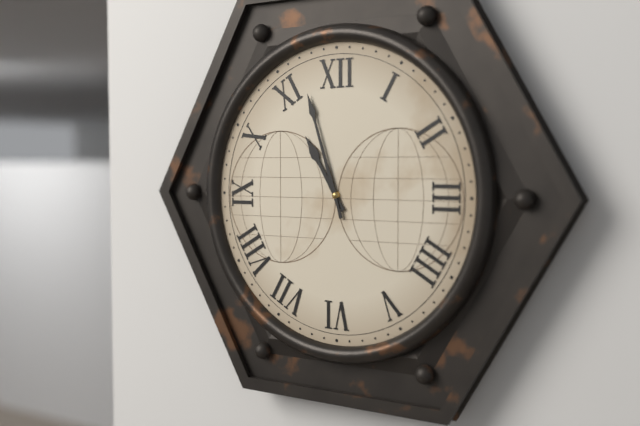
{"hour": 10, "minute": 57}
